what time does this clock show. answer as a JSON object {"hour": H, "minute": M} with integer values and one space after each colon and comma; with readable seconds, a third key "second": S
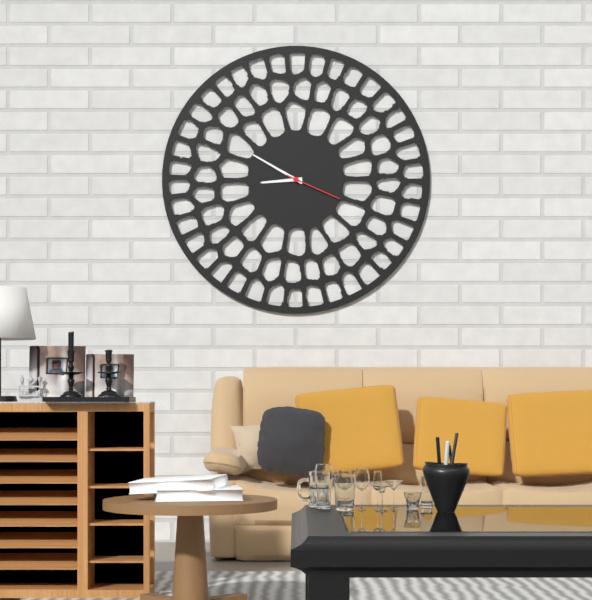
{"hour": 8, "minute": 50, "second": 19}
